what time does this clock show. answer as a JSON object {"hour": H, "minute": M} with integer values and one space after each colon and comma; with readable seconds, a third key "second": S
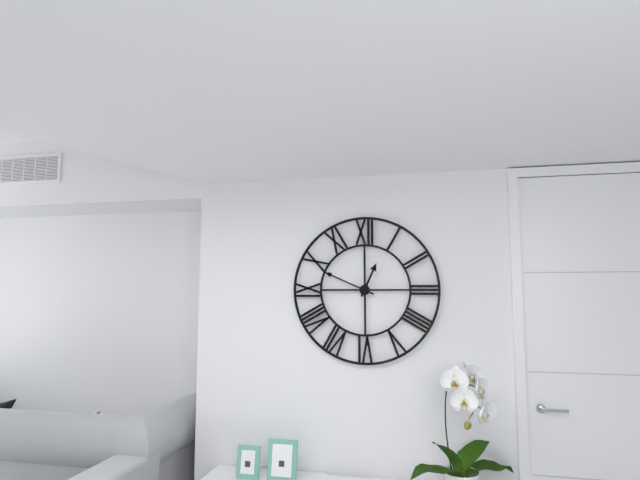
{"hour": 12, "minute": 49}
